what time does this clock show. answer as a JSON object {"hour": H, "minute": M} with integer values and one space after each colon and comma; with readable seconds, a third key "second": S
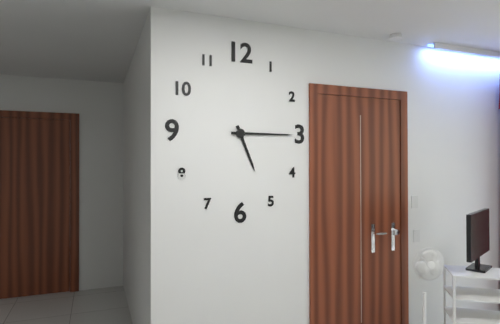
{"hour": 5, "minute": 15}
